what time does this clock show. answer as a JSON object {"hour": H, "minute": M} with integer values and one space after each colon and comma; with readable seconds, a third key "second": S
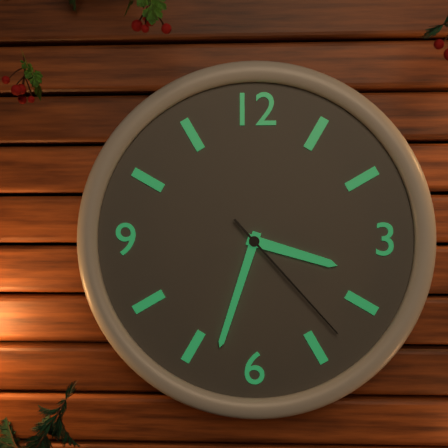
{"hour": 3, "minute": 33, "second": 23}
